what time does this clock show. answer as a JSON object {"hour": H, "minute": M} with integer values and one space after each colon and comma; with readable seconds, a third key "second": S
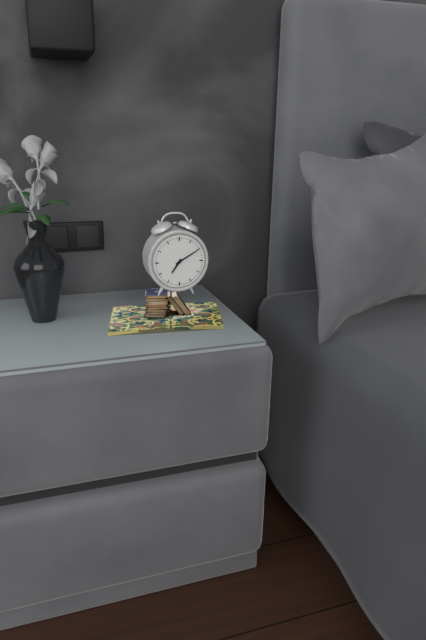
{"hour": 7, "minute": 10}
